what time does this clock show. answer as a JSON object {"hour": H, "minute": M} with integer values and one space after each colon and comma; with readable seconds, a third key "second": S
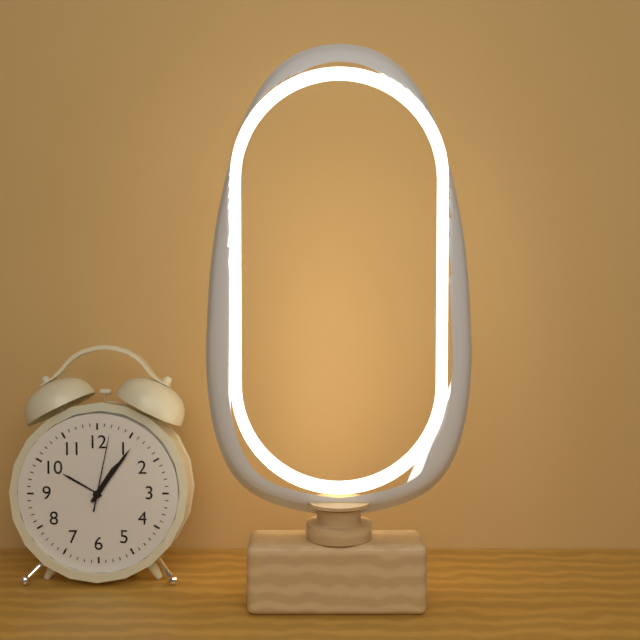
{"hour": 1, "minute": 6, "second": 2}
